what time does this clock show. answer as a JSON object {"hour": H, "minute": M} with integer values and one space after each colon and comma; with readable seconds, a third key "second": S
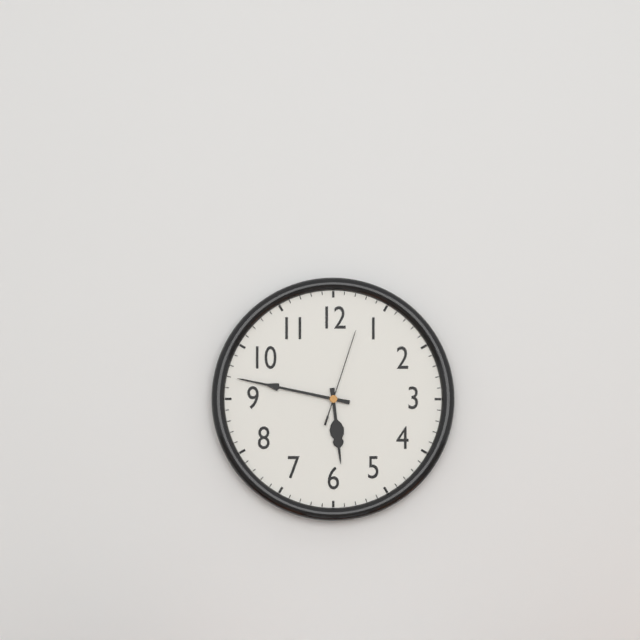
{"hour": 5, "minute": 47, "second": 3}
